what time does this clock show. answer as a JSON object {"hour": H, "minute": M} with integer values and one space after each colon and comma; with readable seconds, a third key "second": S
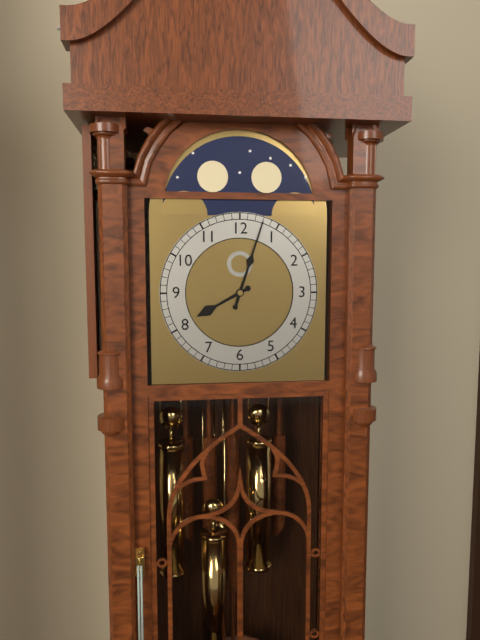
{"hour": 8, "minute": 3}
